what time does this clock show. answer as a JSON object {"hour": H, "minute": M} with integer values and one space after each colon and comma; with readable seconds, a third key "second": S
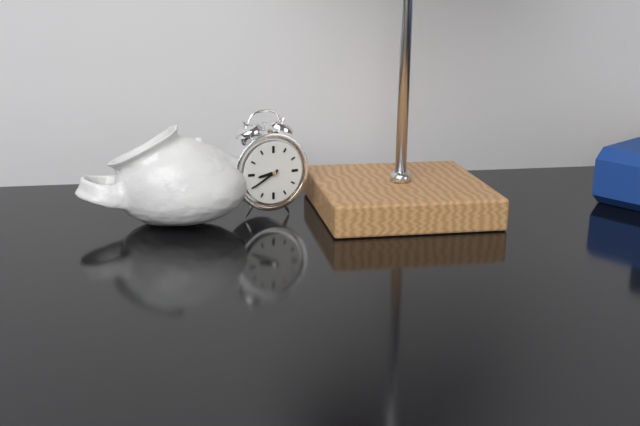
{"hour": 8, "minute": 40}
